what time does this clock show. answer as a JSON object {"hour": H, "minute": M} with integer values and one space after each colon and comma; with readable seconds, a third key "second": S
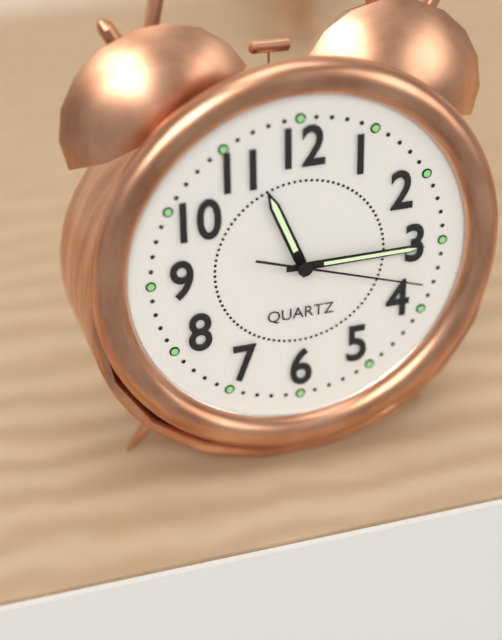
{"hour": 11, "minute": 15, "second": 18}
